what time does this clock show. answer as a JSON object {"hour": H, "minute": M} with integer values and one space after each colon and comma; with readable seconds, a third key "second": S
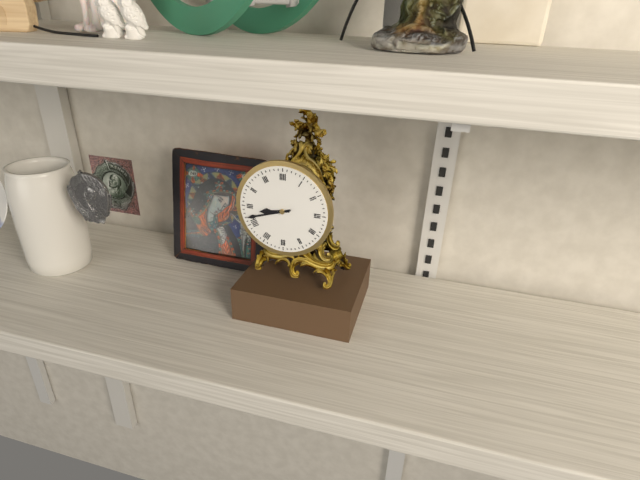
{"hour": 8, "minute": 42}
